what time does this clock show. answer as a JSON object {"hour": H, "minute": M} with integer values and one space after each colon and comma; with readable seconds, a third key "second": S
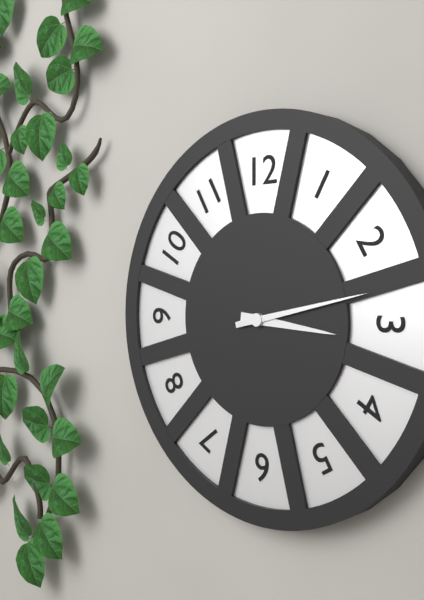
{"hour": 3, "minute": 13}
